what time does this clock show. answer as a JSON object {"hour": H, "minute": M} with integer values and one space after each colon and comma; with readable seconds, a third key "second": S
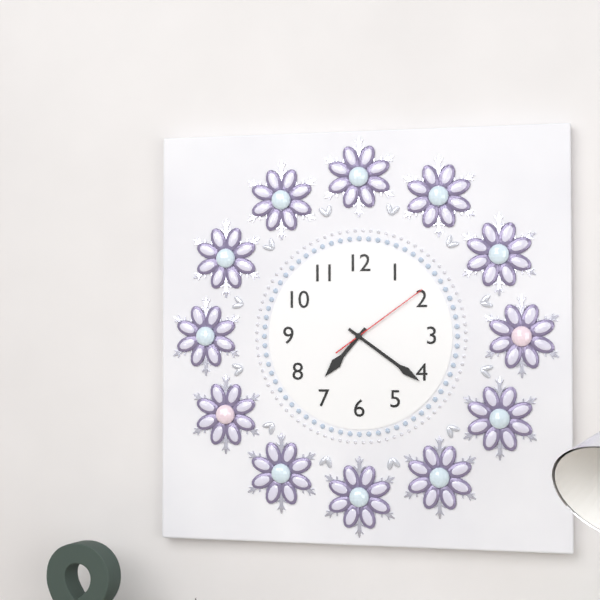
{"hour": 7, "minute": 21, "second": 9}
